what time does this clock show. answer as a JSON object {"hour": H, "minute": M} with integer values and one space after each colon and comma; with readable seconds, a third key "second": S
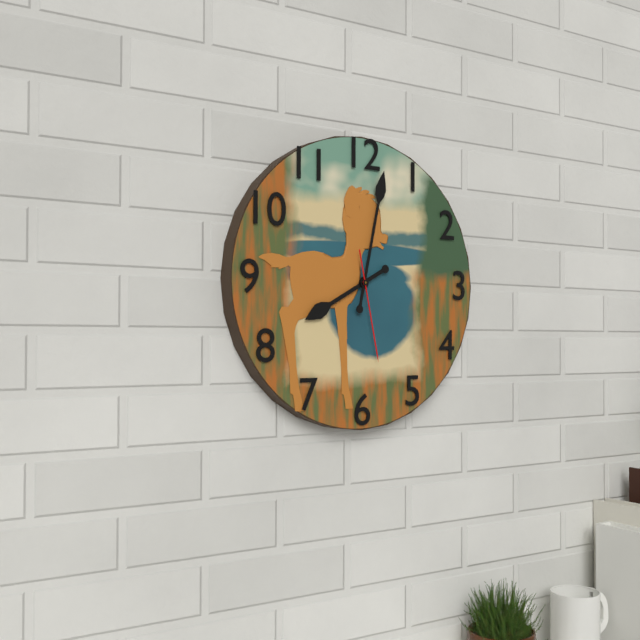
{"hour": 8, "minute": 2, "second": 28}
